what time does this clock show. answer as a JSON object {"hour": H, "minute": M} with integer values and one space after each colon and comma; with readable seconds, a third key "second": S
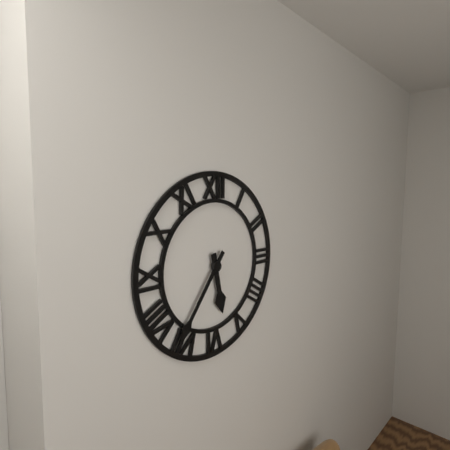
{"hour": 5, "minute": 36}
